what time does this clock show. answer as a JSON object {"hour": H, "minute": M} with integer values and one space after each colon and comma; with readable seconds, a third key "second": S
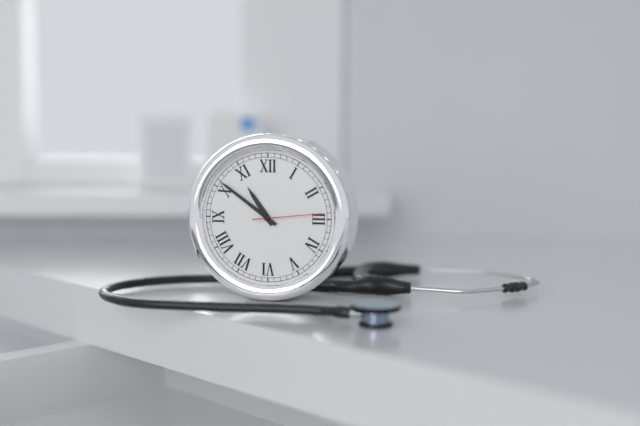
{"hour": 10, "minute": 51, "second": 14}
